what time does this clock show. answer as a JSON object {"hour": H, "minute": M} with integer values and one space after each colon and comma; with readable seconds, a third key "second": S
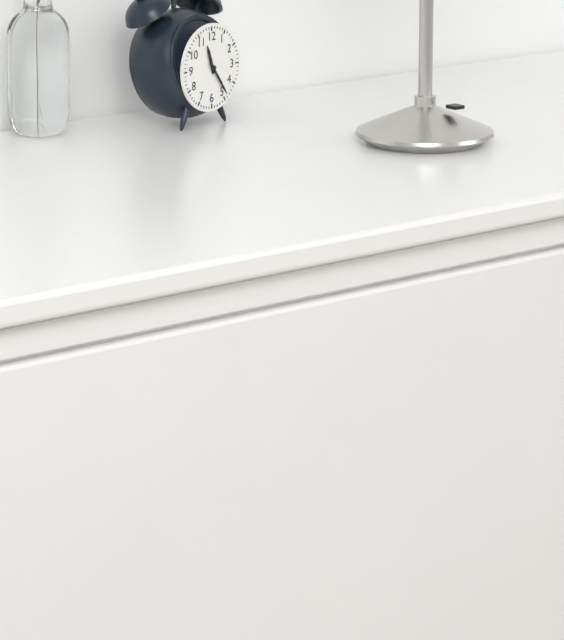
{"hour": 11, "minute": 24}
